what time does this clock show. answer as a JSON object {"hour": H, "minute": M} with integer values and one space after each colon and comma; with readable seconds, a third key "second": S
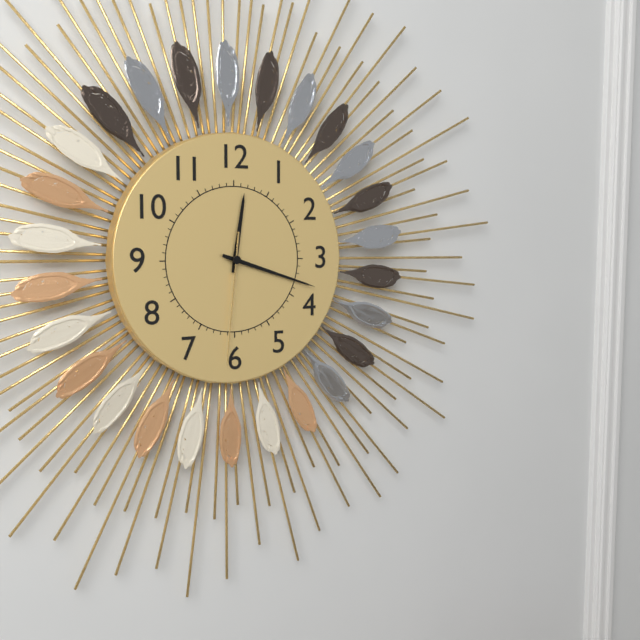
{"hour": 12, "minute": 18, "second": 31}
